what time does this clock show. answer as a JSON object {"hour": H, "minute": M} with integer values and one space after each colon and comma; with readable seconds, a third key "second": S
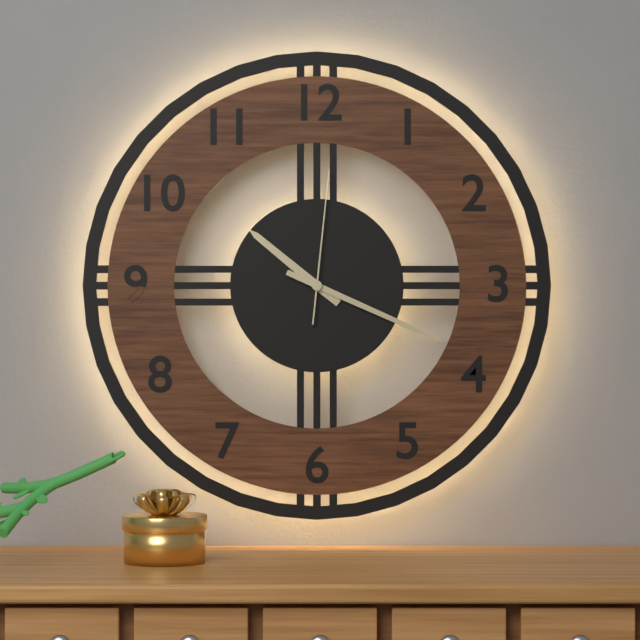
{"hour": 10, "minute": 19, "second": 1}
